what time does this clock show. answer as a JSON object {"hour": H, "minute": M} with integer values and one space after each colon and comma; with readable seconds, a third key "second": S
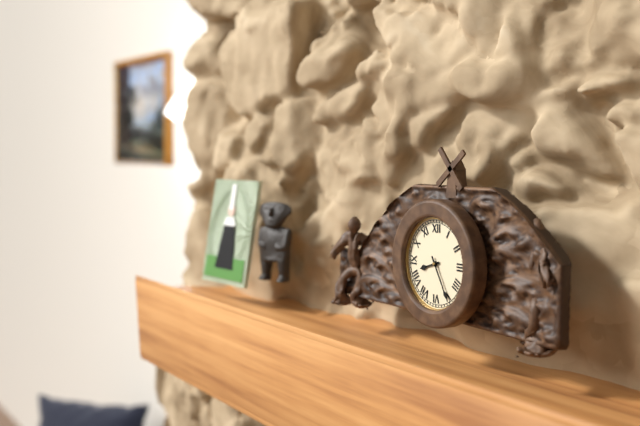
{"hour": 8, "minute": 25}
